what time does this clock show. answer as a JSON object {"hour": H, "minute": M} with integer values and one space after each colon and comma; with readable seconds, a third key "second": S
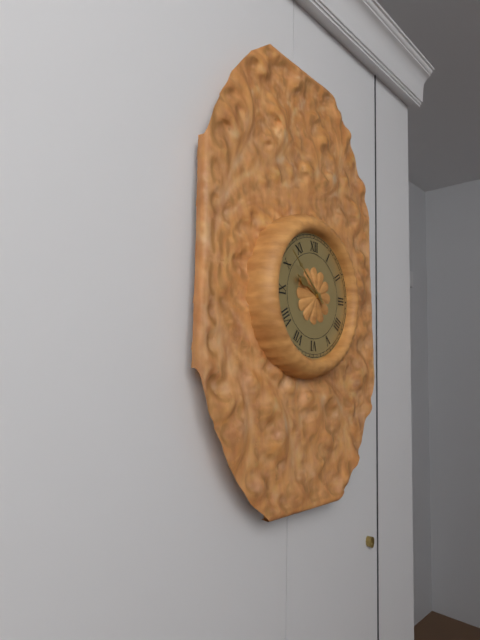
{"hour": 9, "minute": 52}
